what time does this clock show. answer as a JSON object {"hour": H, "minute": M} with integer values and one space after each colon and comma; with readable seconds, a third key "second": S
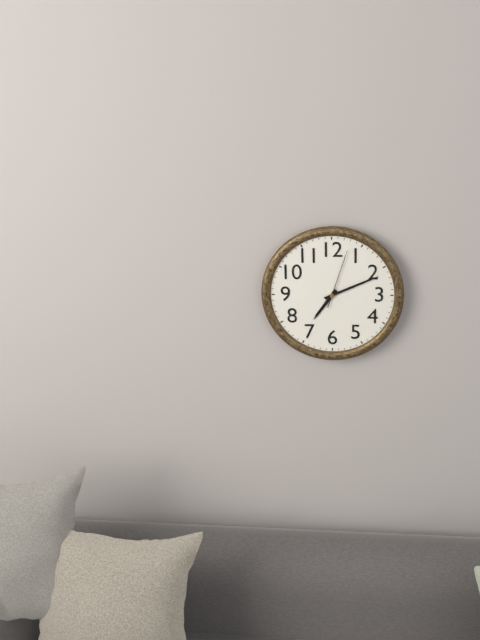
{"hour": 7, "minute": 11, "second": 3}
